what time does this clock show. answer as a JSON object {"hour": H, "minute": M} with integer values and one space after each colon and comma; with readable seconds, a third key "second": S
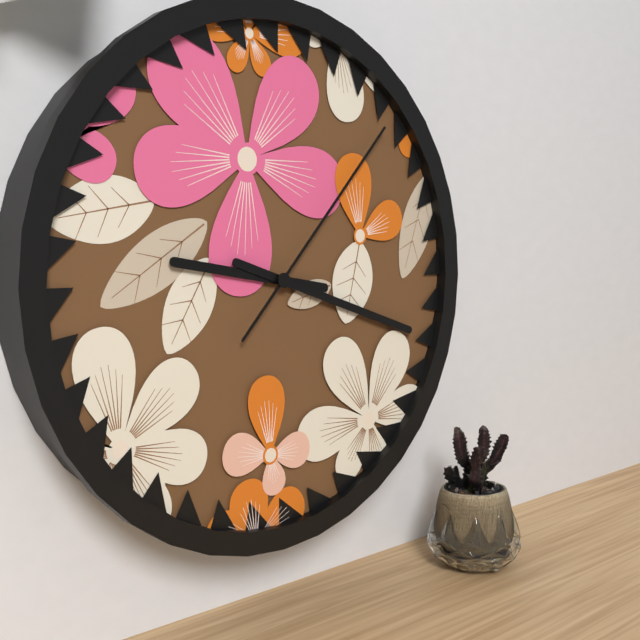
{"hour": 9, "minute": 18, "second": 7}
